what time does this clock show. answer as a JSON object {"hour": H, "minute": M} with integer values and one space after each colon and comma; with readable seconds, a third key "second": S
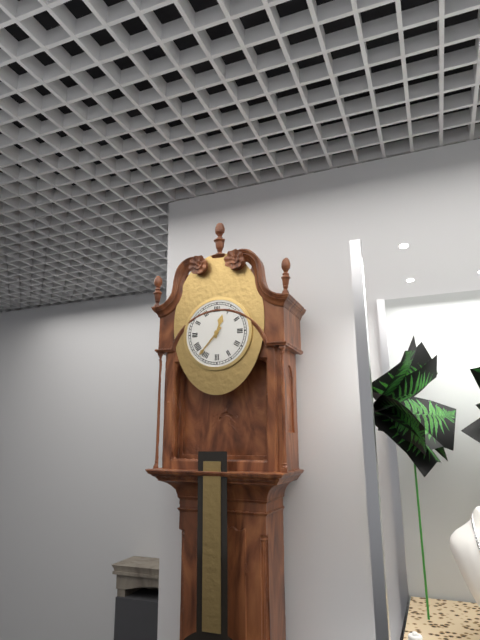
{"hour": 12, "minute": 37}
